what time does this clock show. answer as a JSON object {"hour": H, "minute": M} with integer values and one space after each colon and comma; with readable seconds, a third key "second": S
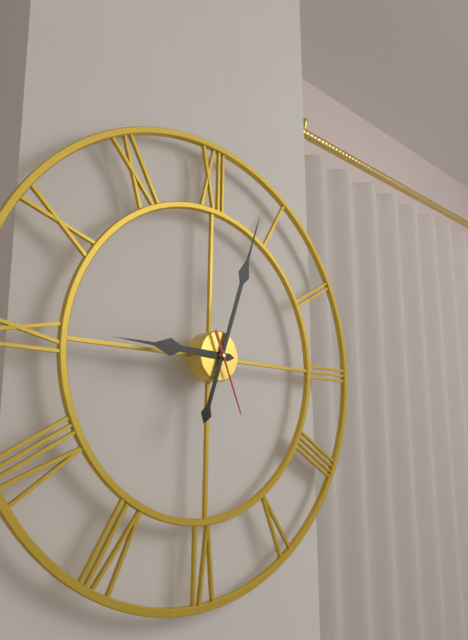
{"hour": 9, "minute": 3, "second": 26}
